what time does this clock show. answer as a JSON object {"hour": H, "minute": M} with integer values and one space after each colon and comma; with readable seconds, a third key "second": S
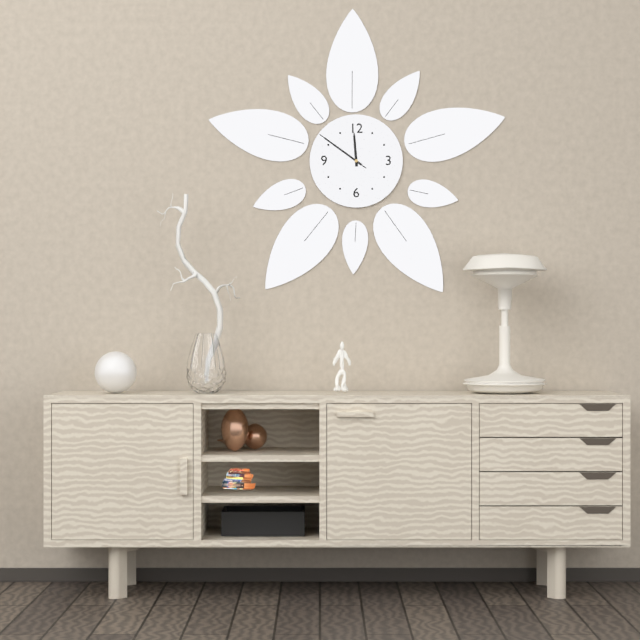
{"hour": 11, "minute": 51, "second": 51}
